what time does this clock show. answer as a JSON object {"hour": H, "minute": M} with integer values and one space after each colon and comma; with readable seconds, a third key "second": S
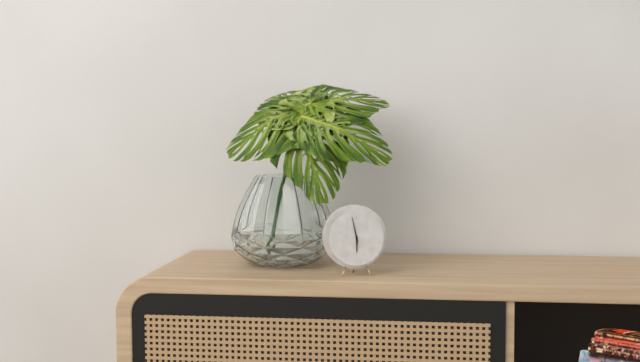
{"hour": 5, "minute": 58}
